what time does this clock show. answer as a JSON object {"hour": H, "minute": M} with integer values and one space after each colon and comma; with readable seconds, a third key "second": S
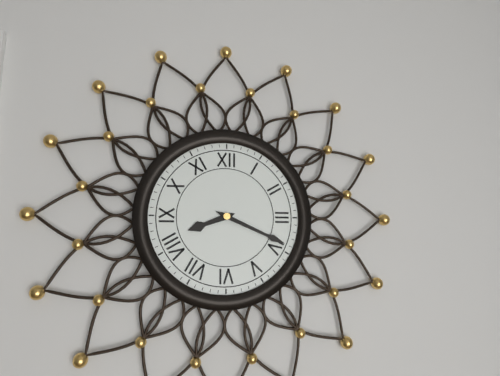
{"hour": 8, "minute": 19}
